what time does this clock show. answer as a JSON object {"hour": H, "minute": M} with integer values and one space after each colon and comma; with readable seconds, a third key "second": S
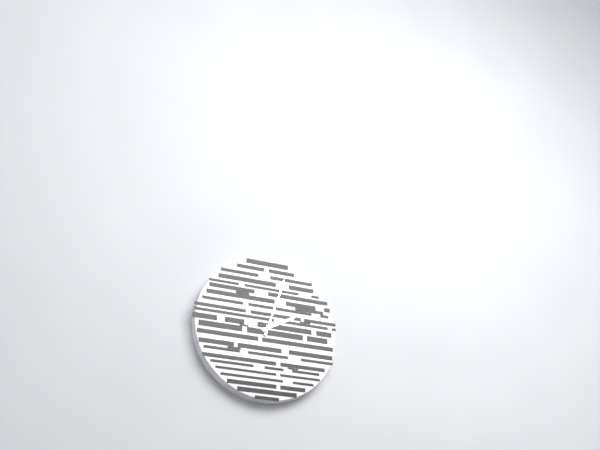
{"hour": 2, "minute": 3}
